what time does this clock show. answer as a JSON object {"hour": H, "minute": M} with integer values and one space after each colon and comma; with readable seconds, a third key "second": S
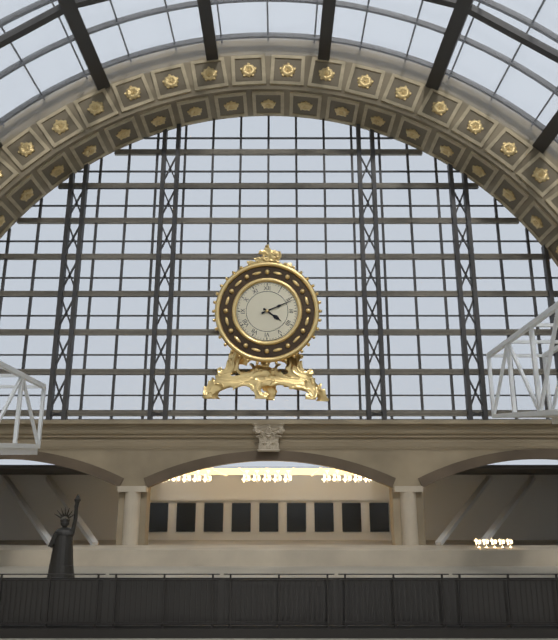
{"hour": 4, "minute": 11}
